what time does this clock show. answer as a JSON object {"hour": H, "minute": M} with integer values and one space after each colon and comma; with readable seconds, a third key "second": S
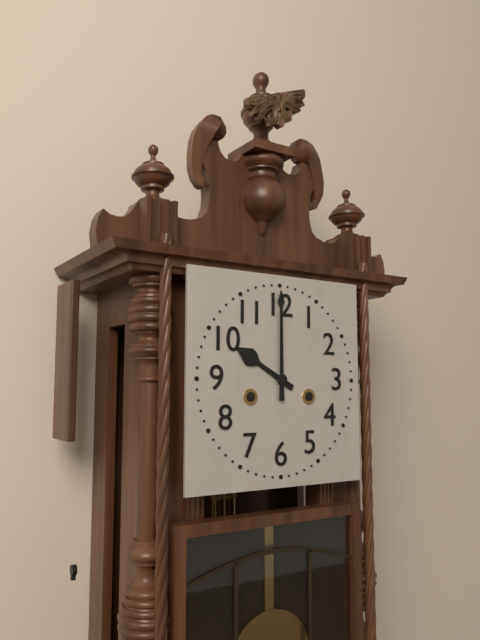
{"hour": 10, "minute": 0}
